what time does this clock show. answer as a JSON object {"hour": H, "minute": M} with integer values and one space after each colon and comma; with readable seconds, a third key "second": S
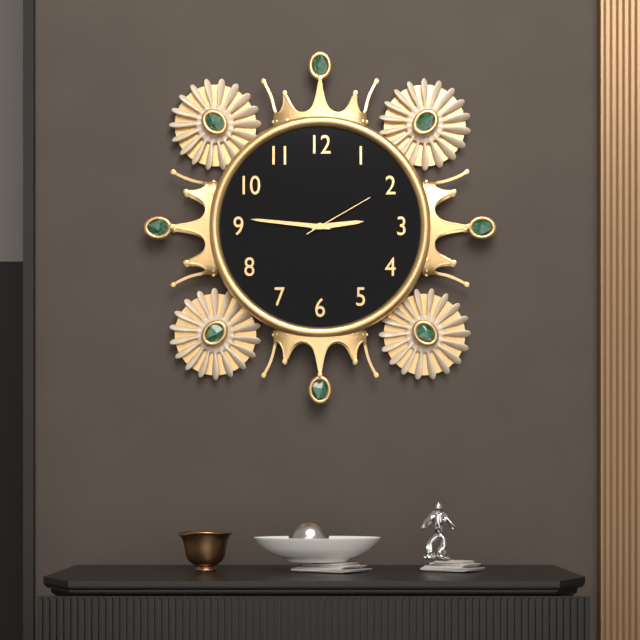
{"hour": 2, "minute": 46, "second": 10}
